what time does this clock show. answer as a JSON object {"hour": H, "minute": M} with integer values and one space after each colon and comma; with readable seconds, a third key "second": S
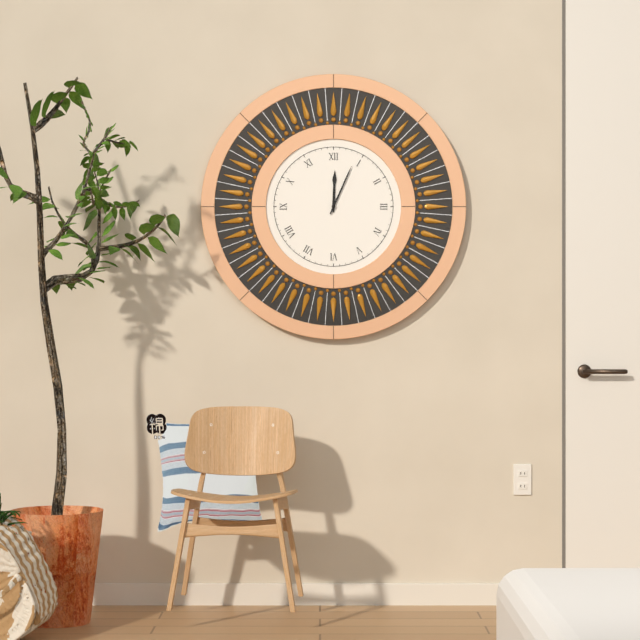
{"hour": 12, "minute": 4}
